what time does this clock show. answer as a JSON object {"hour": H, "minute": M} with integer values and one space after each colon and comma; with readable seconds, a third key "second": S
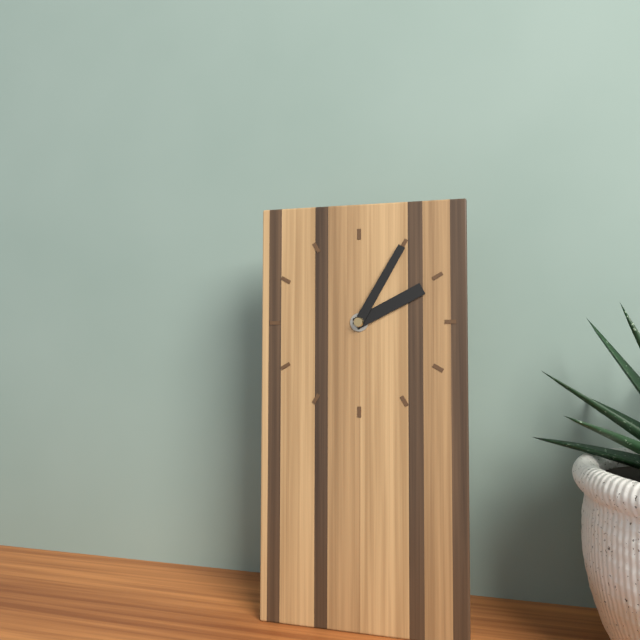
{"hour": 2, "minute": 5}
